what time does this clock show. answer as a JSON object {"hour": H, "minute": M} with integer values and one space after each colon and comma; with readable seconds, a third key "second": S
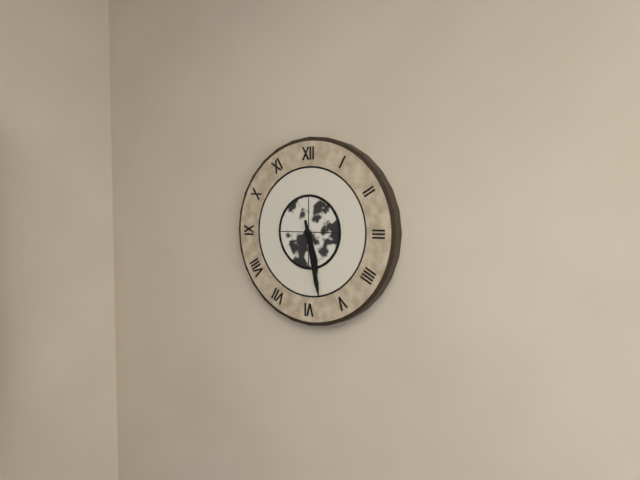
{"hour": 5, "minute": 28}
